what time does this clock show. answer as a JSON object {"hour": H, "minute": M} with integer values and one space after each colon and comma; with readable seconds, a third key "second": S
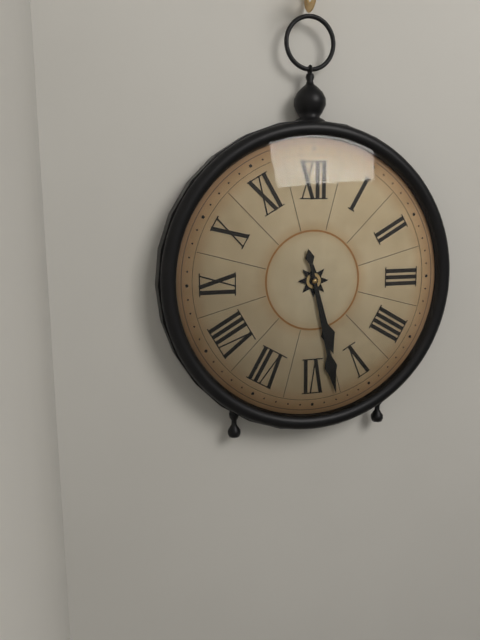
{"hour": 5, "minute": 28}
